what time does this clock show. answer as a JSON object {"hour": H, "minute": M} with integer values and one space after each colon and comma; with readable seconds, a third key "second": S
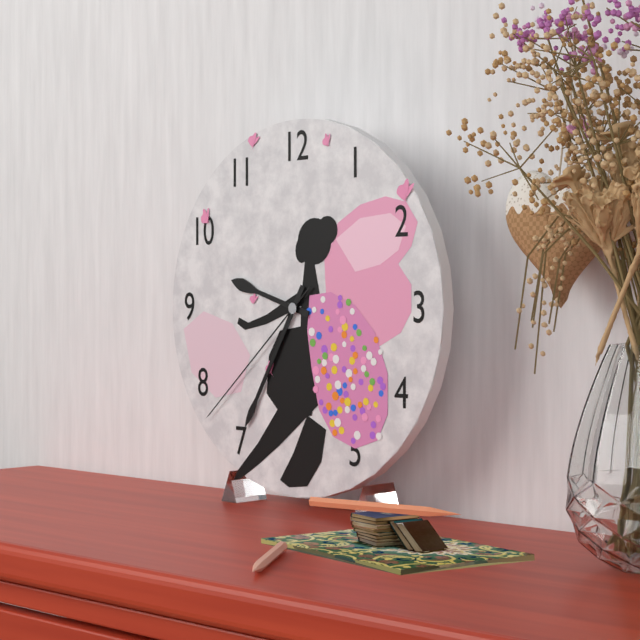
{"hour": 9, "minute": 35, "second": 38}
